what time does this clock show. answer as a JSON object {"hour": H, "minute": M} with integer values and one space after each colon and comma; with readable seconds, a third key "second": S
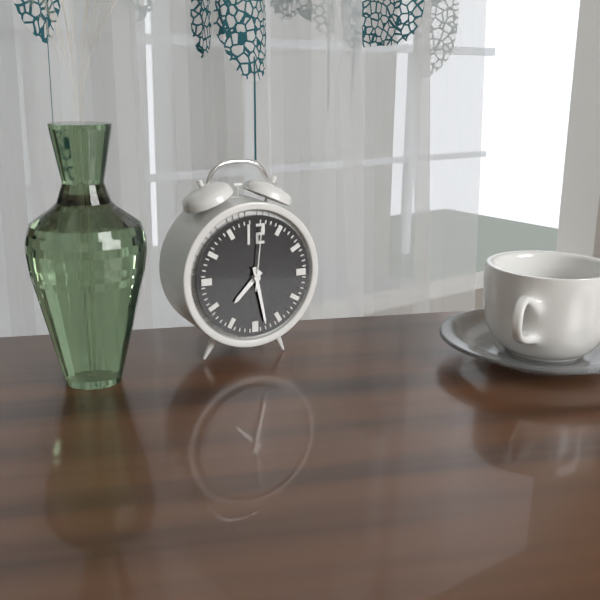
{"hour": 7, "minute": 28, "second": 1}
